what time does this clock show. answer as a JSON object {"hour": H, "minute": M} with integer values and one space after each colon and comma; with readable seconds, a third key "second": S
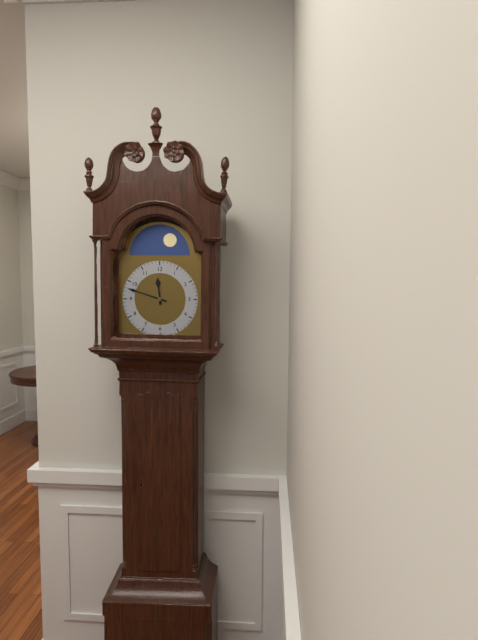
{"hour": 11, "minute": 48}
